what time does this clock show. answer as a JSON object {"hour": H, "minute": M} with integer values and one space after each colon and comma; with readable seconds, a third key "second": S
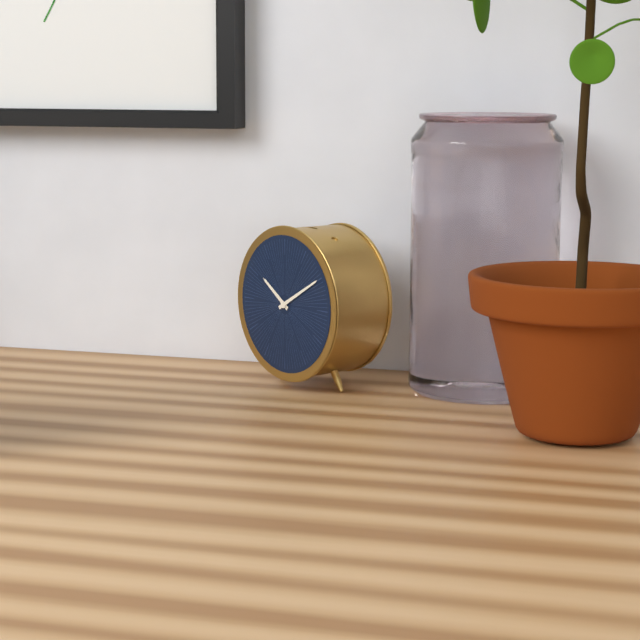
{"hour": 10, "minute": 10}
